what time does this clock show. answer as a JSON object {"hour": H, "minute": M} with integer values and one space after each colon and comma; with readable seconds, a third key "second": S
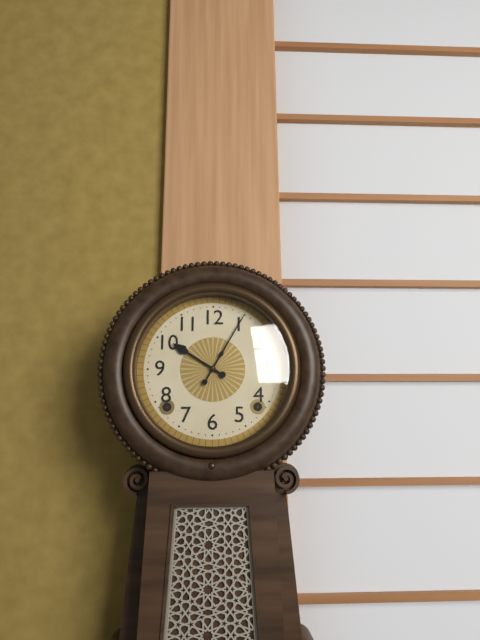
{"hour": 10, "minute": 5}
